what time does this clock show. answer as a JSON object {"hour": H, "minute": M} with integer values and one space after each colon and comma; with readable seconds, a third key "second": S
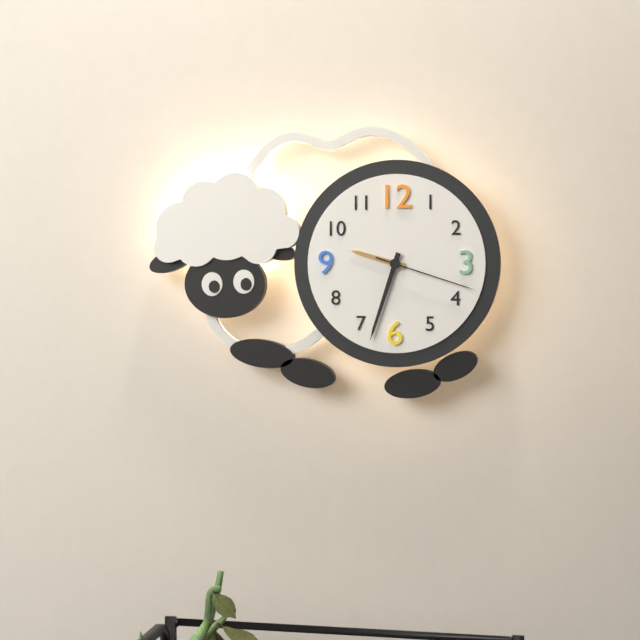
{"hour": 9, "minute": 33, "second": 18}
